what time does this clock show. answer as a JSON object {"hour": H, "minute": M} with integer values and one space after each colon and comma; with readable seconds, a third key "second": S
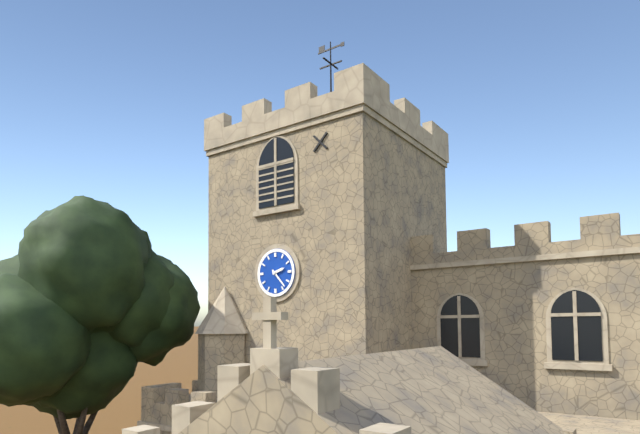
{"hour": 2, "minute": 23}
